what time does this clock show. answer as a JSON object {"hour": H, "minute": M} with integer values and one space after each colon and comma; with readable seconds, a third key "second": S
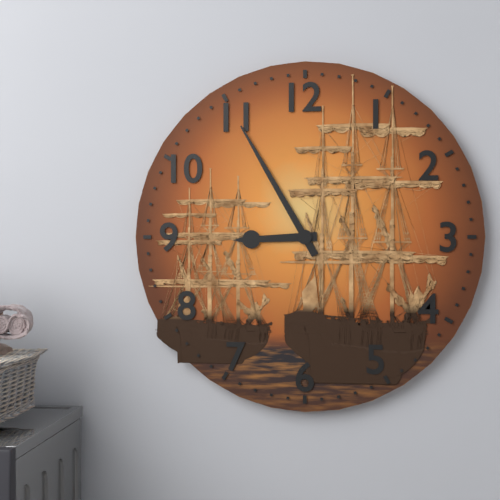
{"hour": 8, "minute": 55}
